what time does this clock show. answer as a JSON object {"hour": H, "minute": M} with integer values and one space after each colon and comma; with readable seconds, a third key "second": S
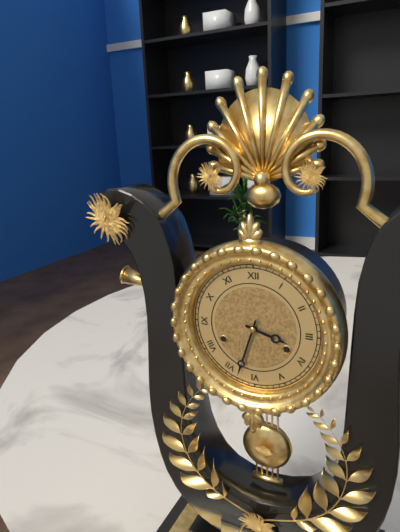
{"hour": 3, "minute": 33}
